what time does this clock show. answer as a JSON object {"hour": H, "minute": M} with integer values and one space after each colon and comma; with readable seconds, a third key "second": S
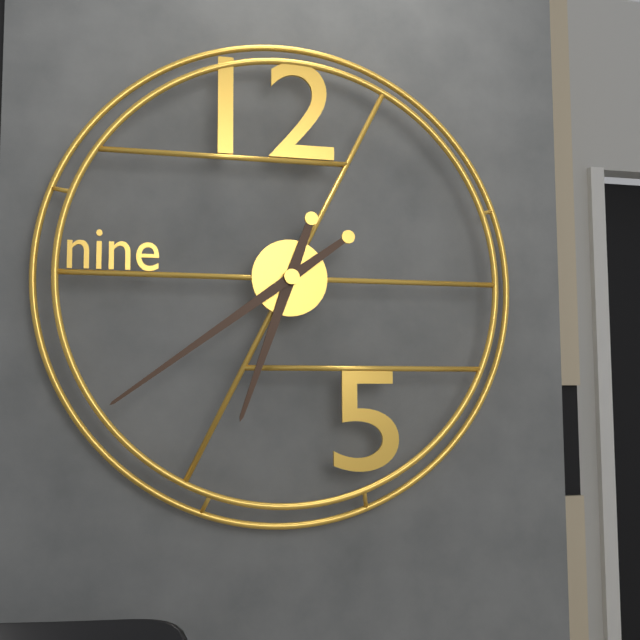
{"hour": 6, "minute": 39}
